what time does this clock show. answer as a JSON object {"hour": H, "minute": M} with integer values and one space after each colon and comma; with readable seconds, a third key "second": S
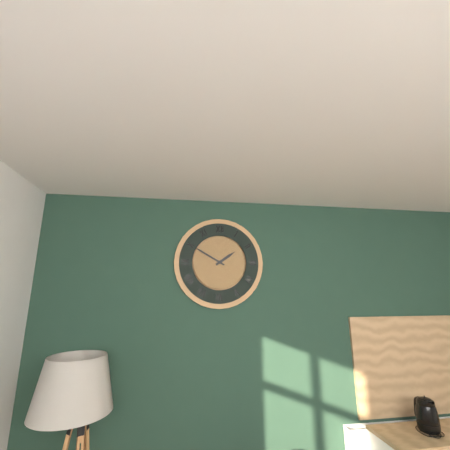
{"hour": 1, "minute": 50}
